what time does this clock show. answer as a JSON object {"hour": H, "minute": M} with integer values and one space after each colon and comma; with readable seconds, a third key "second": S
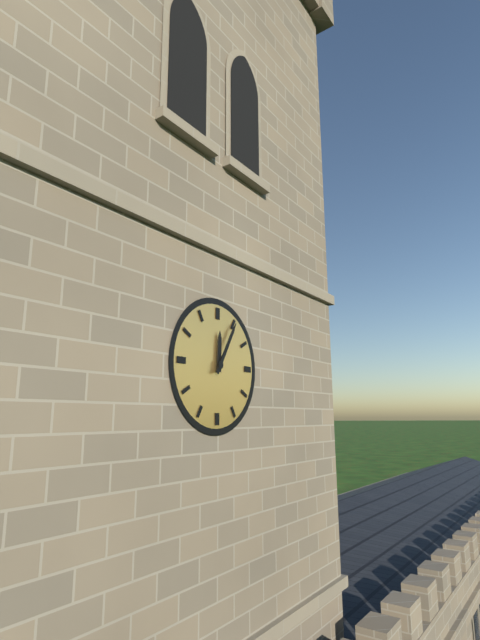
{"hour": 12, "minute": 5}
